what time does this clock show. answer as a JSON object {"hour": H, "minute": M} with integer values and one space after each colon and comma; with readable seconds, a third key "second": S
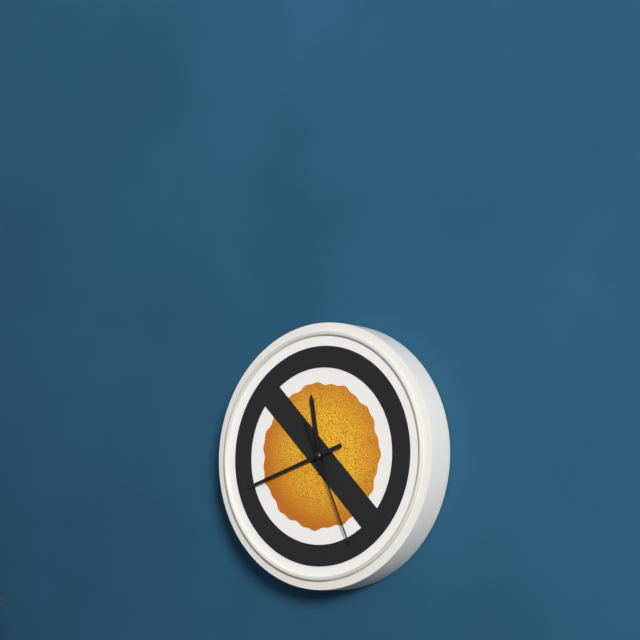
{"hour": 11, "minute": 42, "second": 26}
